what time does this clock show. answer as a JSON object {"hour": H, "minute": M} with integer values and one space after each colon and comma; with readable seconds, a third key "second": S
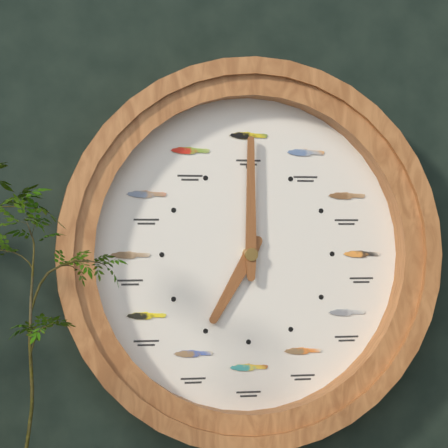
{"hour": 7, "minute": 0}
